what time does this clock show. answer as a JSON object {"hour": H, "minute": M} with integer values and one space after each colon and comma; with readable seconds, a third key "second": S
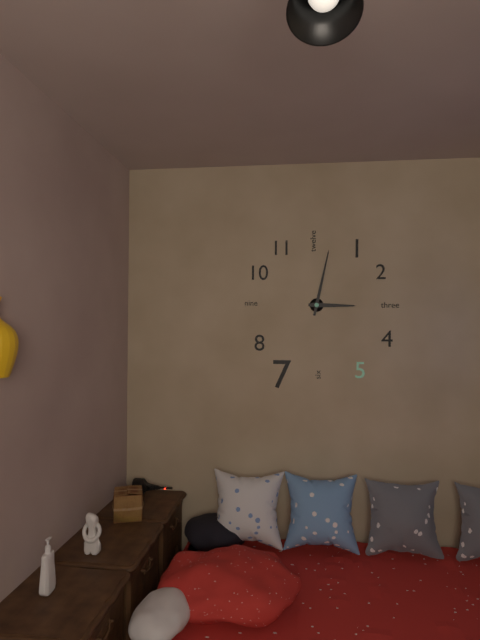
{"hour": 3, "minute": 2}
